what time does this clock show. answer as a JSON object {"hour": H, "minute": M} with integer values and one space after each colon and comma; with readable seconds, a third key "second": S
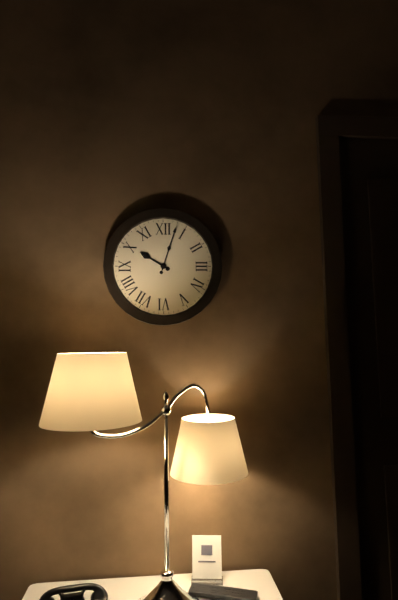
{"hour": 10, "minute": 3}
